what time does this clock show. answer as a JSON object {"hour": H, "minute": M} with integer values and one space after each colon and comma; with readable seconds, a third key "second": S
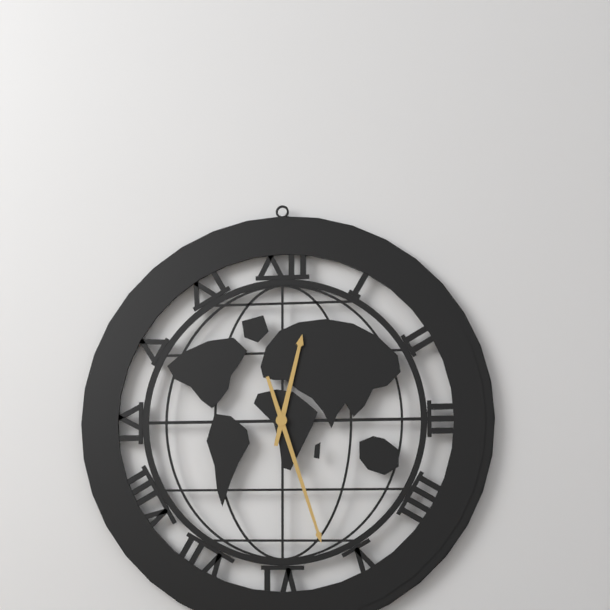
{"hour": 12, "minute": 27}
